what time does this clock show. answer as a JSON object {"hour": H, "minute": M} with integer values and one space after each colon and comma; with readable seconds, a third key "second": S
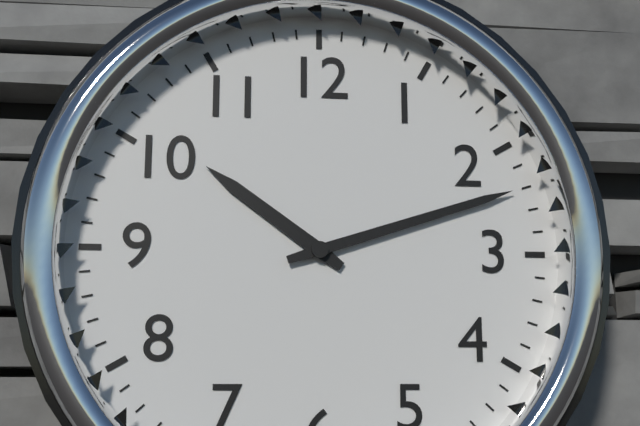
{"hour": 10, "minute": 12}
